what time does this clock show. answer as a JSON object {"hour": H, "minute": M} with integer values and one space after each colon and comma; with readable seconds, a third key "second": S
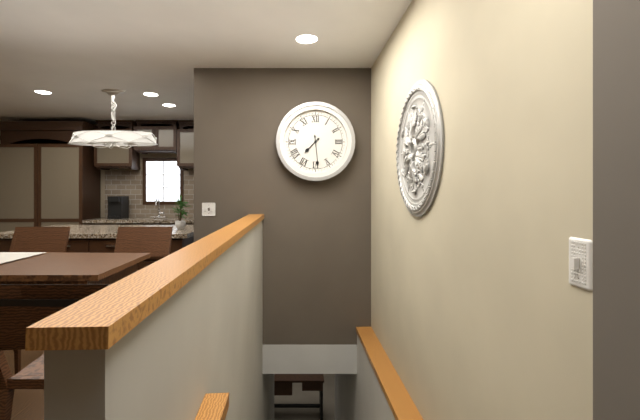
{"hour": 7, "minute": 29}
